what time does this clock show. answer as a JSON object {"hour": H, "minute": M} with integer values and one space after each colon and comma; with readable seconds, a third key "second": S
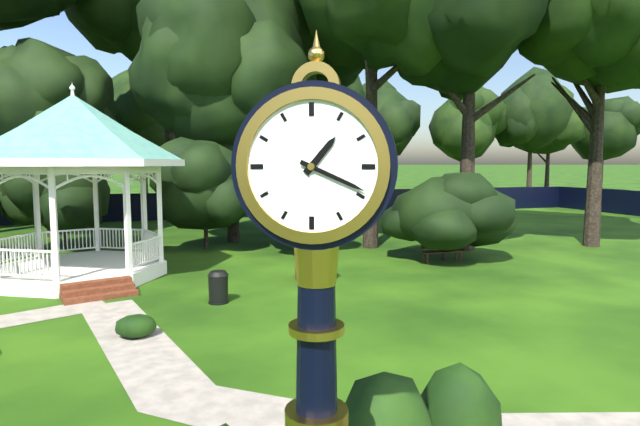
{"hour": 1, "minute": 19}
